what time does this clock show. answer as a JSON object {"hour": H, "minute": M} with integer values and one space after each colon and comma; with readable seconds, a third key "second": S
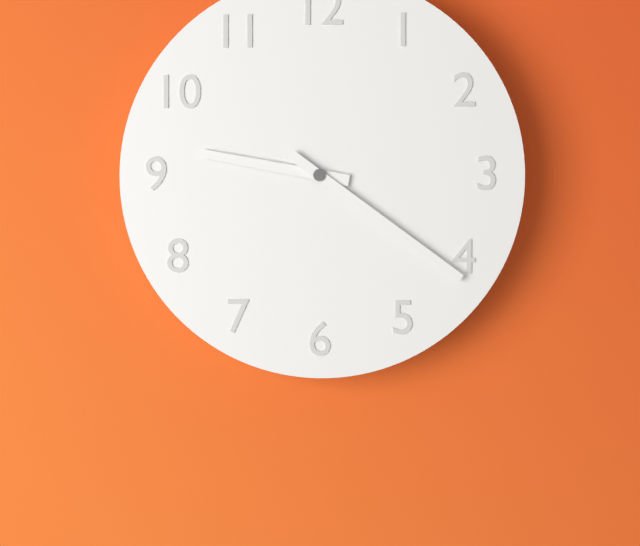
{"hour": 9, "minute": 21}
